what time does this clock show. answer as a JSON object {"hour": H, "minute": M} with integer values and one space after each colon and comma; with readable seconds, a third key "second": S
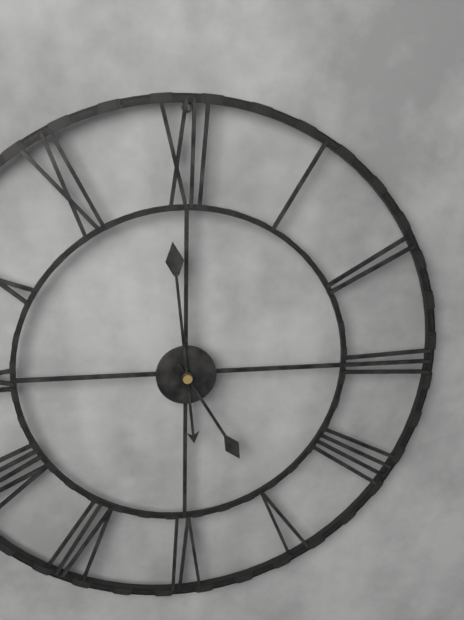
{"hour": 4, "minute": 59}
